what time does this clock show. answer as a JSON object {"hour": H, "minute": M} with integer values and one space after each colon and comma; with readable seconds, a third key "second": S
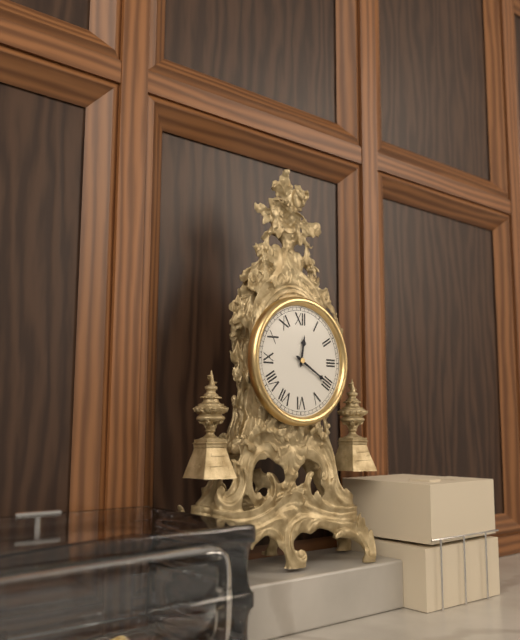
{"hour": 12, "minute": 20}
